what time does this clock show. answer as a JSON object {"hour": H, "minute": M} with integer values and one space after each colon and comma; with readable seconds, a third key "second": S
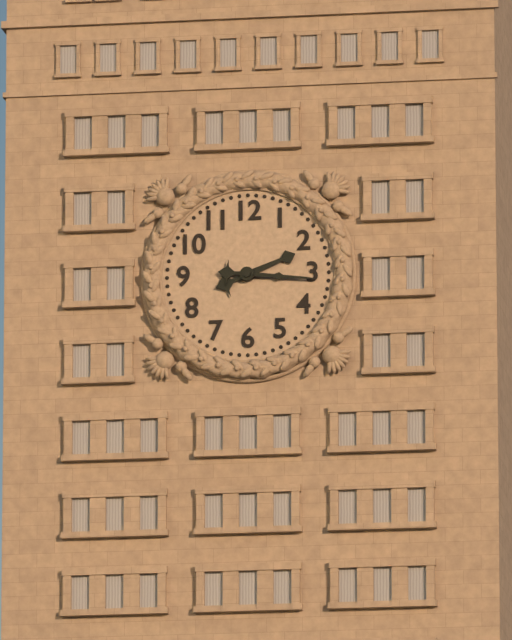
{"hour": 2, "minute": 16}
